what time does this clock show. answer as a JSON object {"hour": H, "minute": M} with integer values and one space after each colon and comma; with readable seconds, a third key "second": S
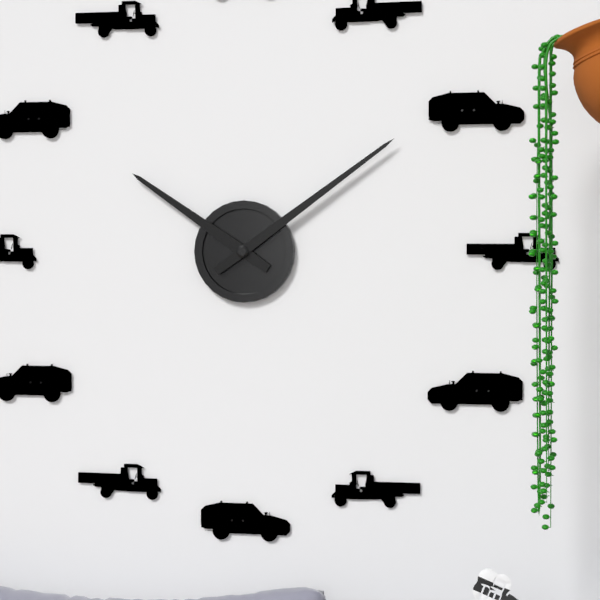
{"hour": 10, "minute": 9}
